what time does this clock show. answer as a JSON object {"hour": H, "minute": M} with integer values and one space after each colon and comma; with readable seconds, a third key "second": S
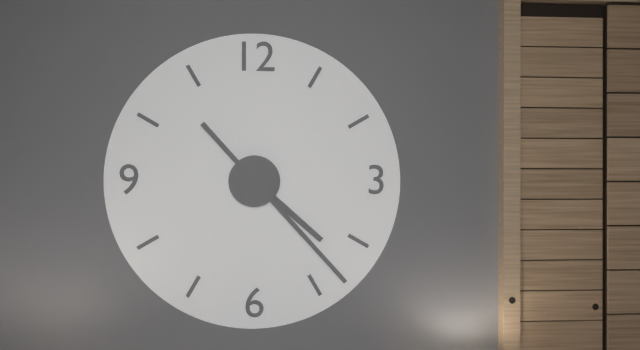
{"hour": 4, "minute": 23}
